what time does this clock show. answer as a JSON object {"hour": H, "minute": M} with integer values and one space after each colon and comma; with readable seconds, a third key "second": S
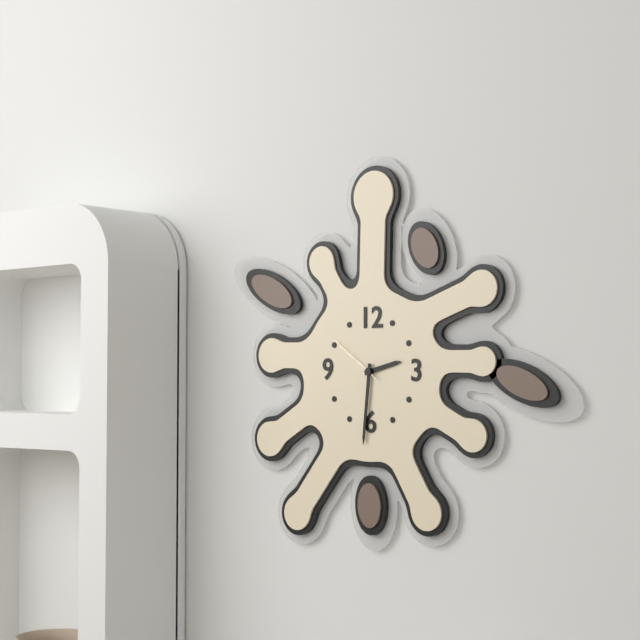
{"hour": 2, "minute": 31, "second": 51}
